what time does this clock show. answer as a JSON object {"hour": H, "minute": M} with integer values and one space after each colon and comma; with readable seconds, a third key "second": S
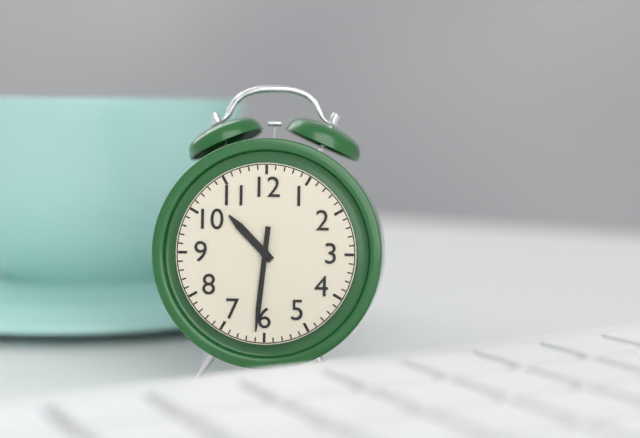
{"hour": 10, "minute": 31}
